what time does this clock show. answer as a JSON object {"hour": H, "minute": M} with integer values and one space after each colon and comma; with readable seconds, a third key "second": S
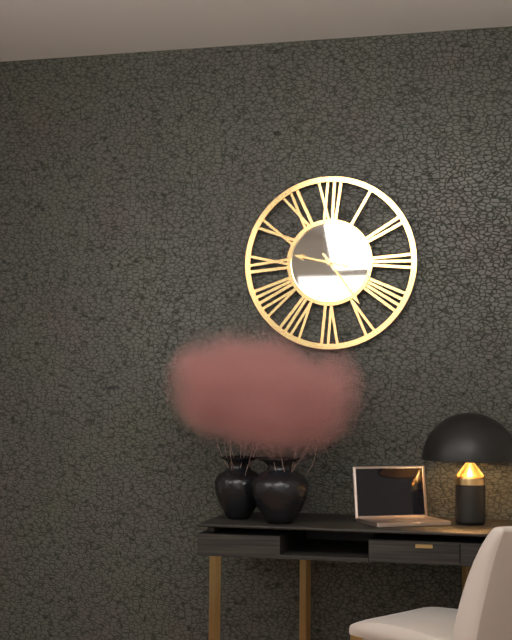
{"hour": 9, "minute": 24}
